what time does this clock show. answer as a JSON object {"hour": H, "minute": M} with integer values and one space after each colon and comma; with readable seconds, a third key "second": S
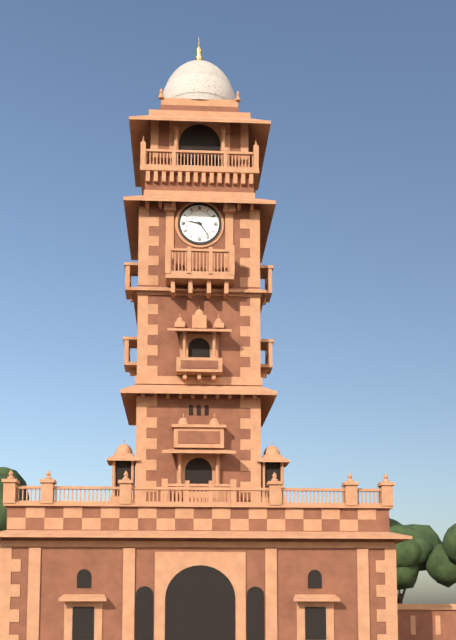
{"hour": 9, "minute": 24}
